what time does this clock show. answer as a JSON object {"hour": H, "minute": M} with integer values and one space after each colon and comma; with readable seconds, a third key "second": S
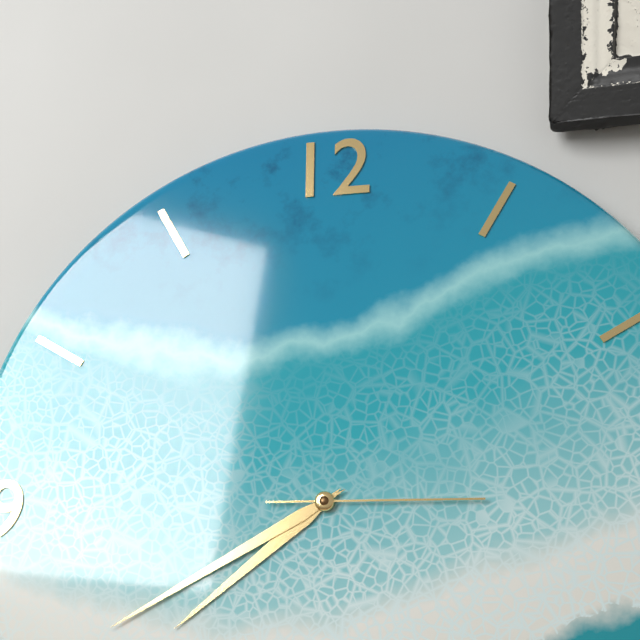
{"hour": 7, "minute": 40, "second": 15}
